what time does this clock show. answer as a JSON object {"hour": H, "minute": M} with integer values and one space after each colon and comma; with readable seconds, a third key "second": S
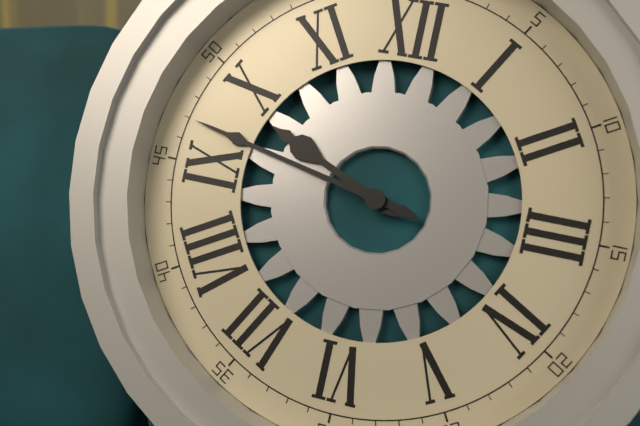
{"hour": 9, "minute": 47}
